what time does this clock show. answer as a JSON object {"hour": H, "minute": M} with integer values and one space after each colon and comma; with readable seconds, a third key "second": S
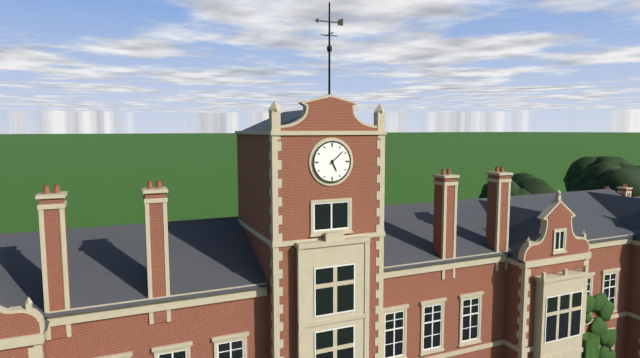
{"hour": 5, "minute": 8}
